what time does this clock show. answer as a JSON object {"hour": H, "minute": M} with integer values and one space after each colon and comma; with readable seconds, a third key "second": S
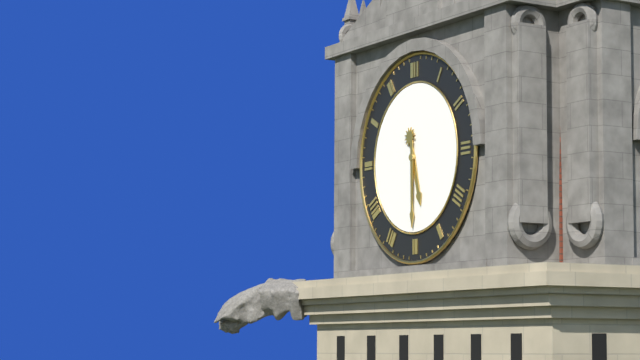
{"hour": 5, "minute": 30}
